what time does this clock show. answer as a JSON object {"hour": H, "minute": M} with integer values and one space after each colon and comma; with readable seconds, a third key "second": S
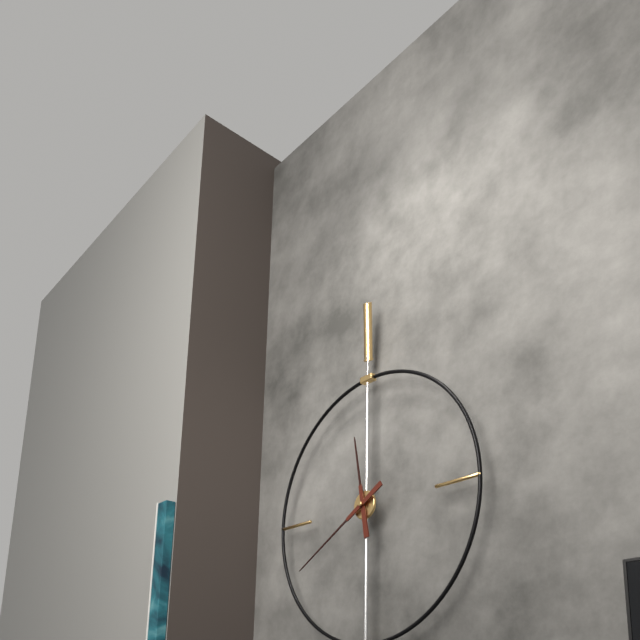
{"hour": 11, "minute": 40}
